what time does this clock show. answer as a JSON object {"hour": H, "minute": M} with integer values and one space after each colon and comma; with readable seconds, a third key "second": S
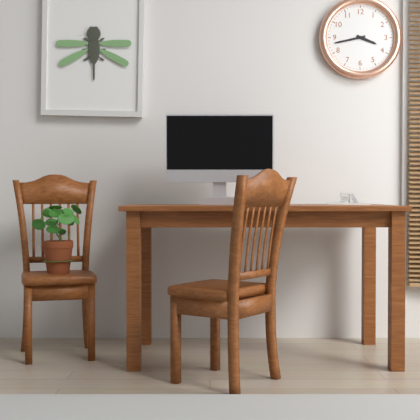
{"hour": 3, "minute": 43}
